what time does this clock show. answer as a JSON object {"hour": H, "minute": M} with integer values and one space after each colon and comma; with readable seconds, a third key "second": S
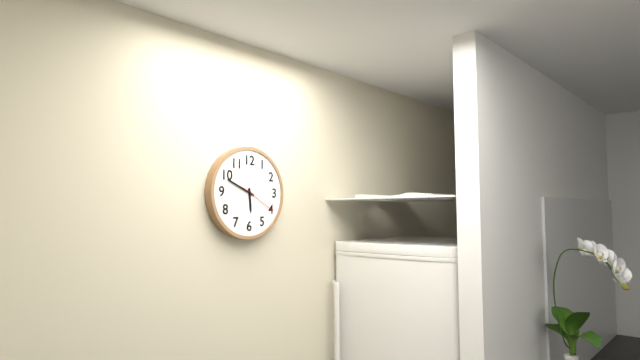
{"hour": 5, "minute": 49}
